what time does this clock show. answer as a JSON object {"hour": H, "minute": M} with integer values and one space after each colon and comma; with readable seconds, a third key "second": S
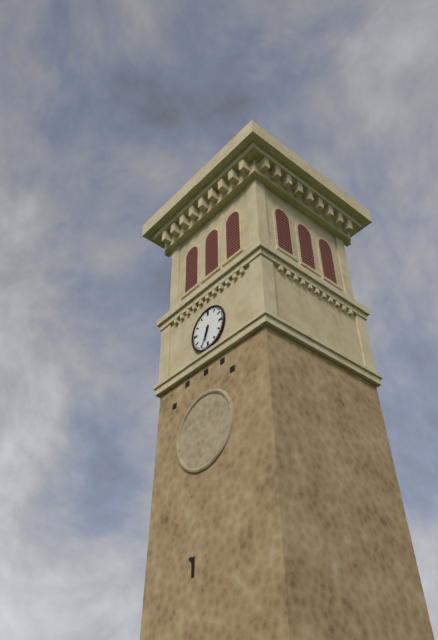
{"hour": 6, "minute": 34}
